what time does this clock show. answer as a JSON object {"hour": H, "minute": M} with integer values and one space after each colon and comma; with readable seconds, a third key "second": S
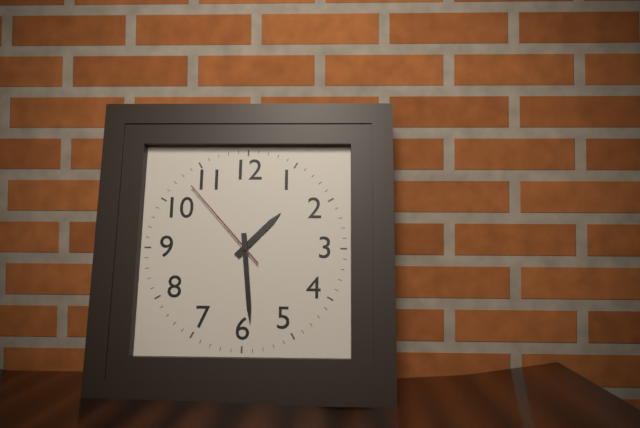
{"hour": 1, "minute": 29, "second": 53}
